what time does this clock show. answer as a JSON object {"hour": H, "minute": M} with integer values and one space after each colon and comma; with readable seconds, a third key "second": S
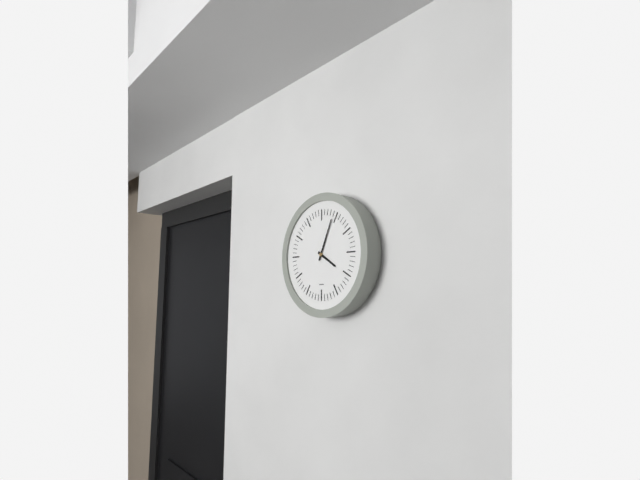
{"hour": 4, "minute": 4}
